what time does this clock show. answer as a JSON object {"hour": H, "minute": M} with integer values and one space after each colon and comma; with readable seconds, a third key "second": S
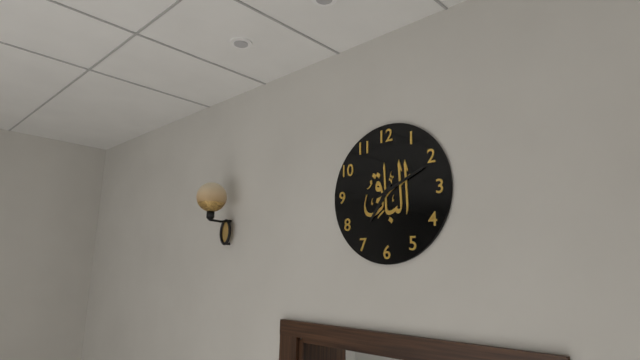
{"hour": 7, "minute": 11}
